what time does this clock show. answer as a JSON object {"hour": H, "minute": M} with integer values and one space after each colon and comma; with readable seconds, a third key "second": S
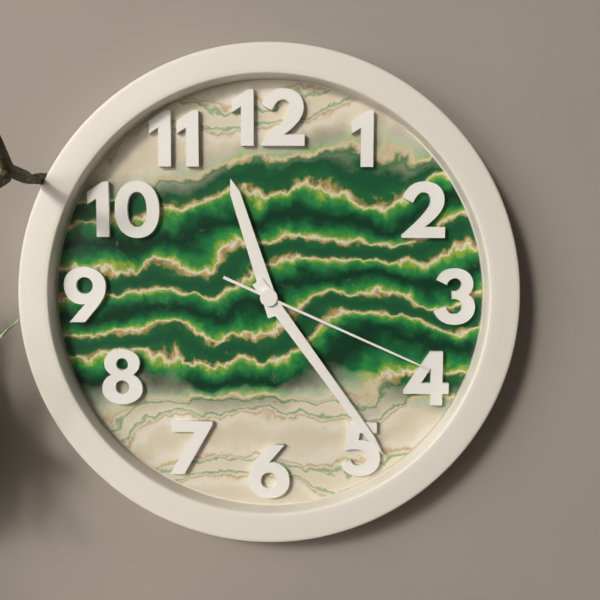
{"hour": 11, "minute": 24, "second": 19}
